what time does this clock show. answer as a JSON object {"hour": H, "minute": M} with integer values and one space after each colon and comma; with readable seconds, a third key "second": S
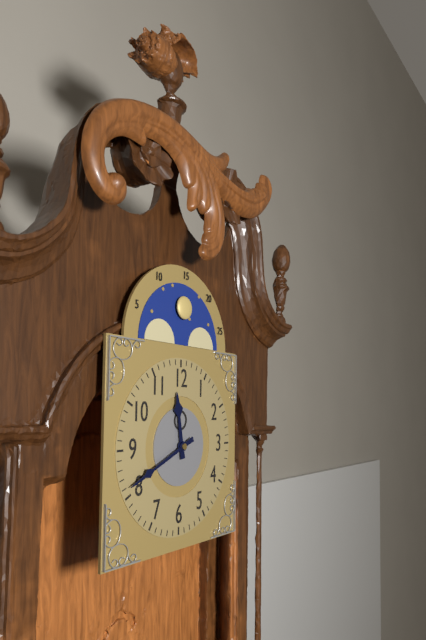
{"hour": 11, "minute": 41}
